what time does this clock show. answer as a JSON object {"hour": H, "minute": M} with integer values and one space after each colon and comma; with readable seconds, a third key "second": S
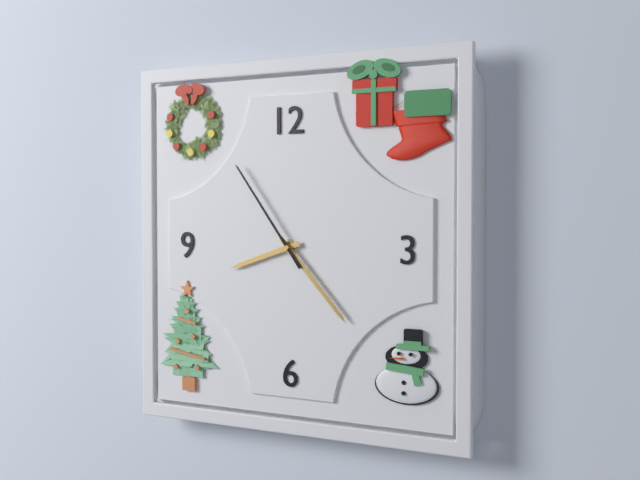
{"hour": 8, "minute": 23, "second": 54}
